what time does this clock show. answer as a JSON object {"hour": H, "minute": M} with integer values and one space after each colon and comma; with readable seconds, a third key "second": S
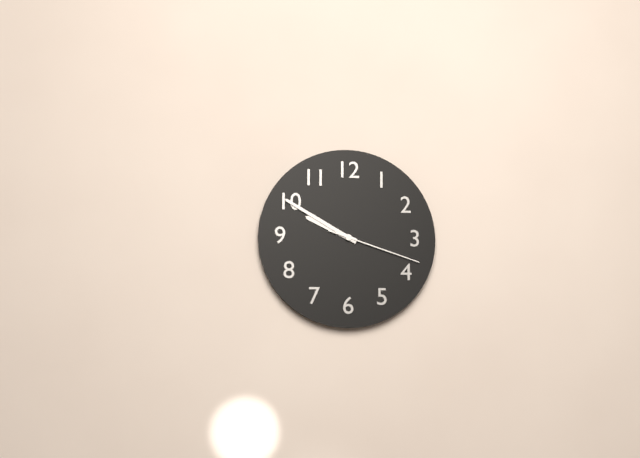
{"hour": 9, "minute": 50, "second": 18}
